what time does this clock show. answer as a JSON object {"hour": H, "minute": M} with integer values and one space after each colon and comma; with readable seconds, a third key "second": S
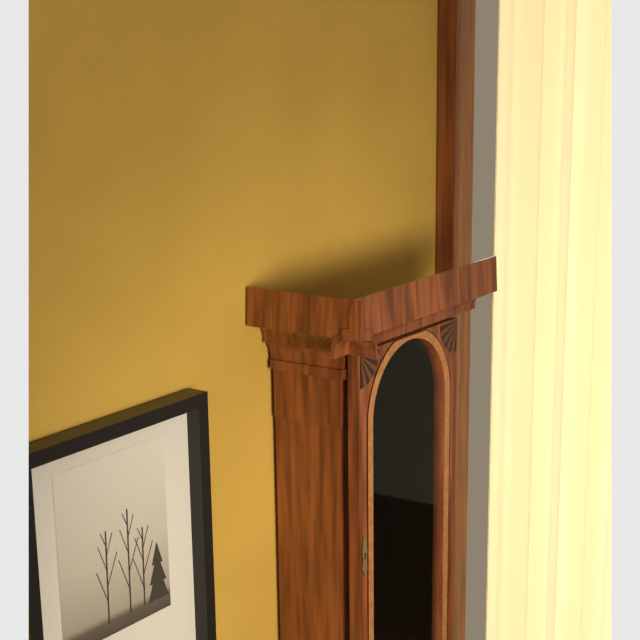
{"hour": 6, "minute": 55}
